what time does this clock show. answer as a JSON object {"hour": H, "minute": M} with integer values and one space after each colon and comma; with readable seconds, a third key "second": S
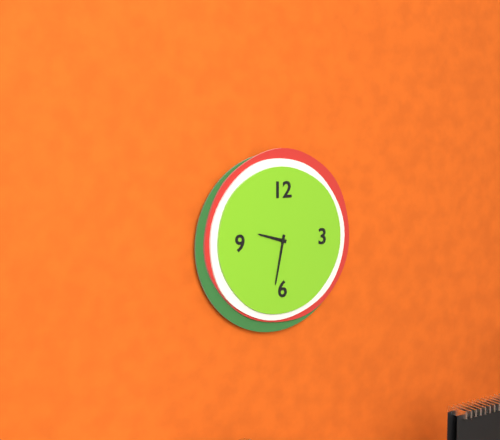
{"hour": 9, "minute": 32}
